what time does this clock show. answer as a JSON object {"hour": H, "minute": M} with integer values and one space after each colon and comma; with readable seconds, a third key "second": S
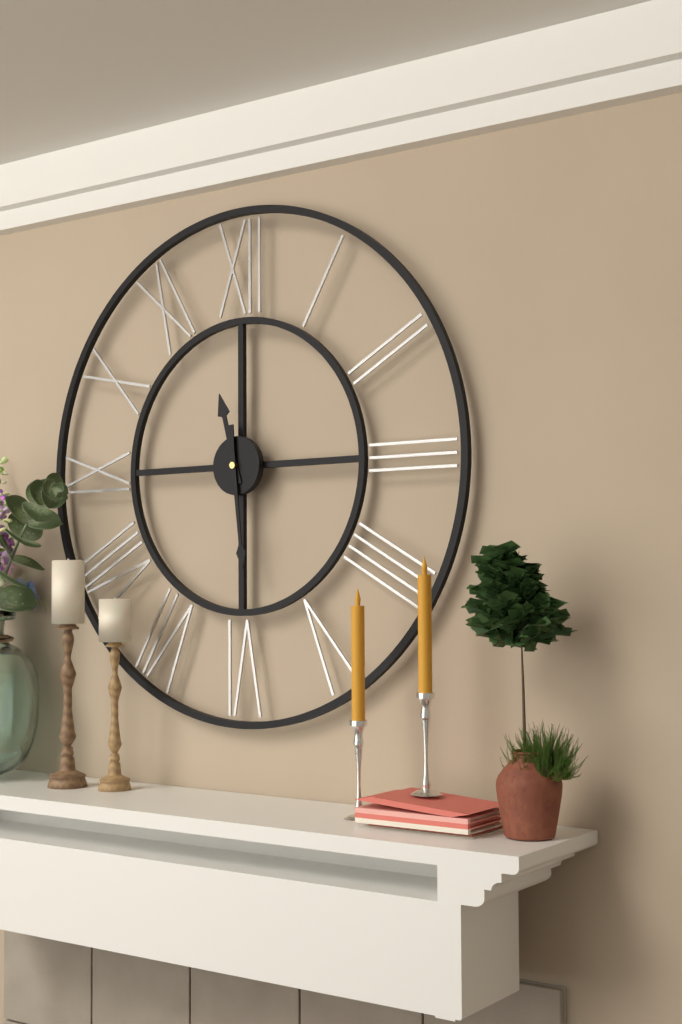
{"hour": 11, "minute": 29}
